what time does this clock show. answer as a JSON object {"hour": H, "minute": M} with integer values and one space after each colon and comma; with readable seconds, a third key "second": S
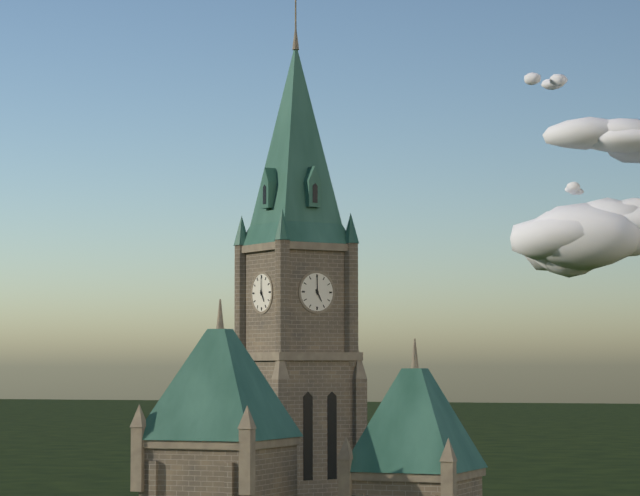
{"hour": 5, "minute": 0}
